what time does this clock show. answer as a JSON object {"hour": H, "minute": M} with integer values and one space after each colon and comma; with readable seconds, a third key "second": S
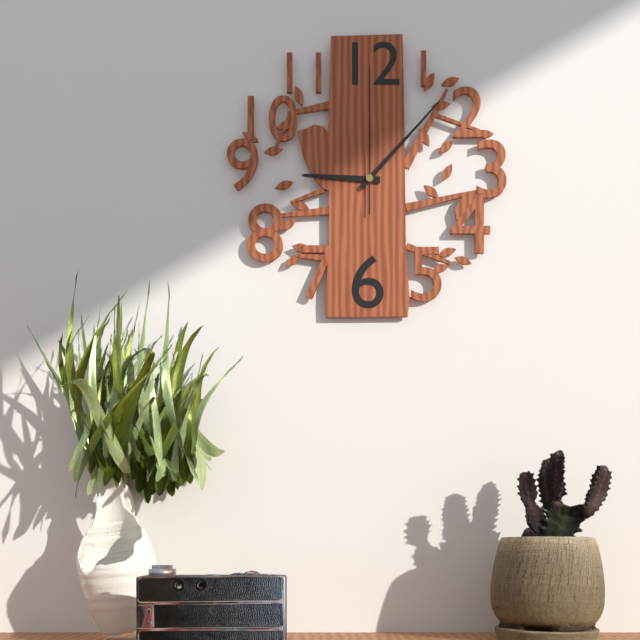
{"hour": 9, "minute": 7, "second": 0}
